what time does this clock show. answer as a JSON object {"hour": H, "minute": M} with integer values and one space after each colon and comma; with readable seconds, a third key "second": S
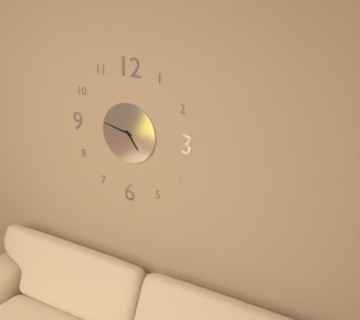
{"hour": 4, "minute": 47}
